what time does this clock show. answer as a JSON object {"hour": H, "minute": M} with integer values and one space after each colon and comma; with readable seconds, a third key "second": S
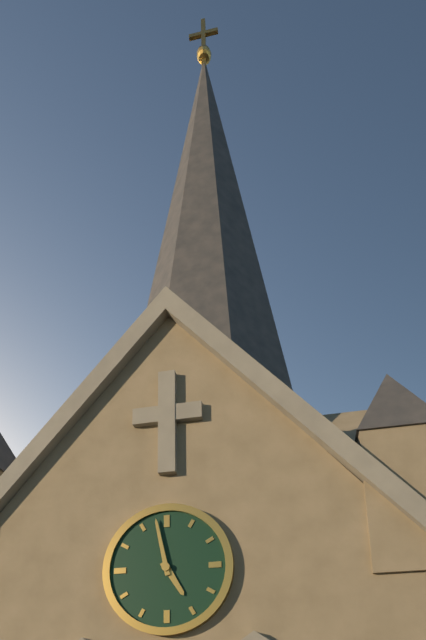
{"hour": 4, "minute": 58}
